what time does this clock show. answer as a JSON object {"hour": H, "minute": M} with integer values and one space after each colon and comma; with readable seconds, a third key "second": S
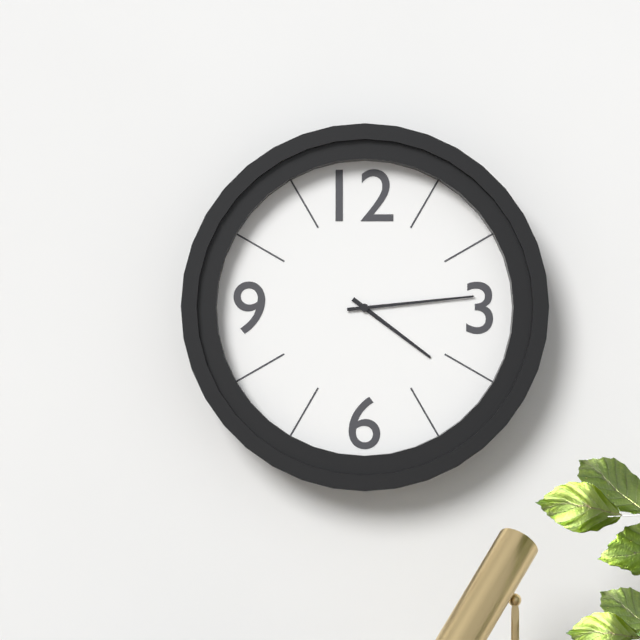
{"hour": 4, "minute": 14}
